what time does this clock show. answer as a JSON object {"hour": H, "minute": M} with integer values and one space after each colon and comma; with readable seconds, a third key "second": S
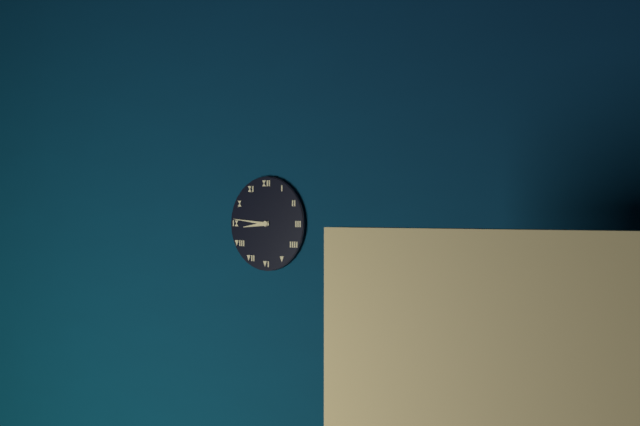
{"hour": 8, "minute": 46}
